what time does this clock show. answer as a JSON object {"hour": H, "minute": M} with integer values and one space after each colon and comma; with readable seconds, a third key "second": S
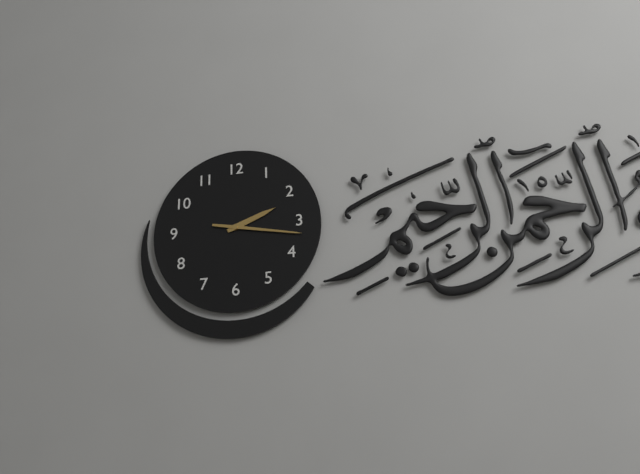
{"hour": 2, "minute": 17}
